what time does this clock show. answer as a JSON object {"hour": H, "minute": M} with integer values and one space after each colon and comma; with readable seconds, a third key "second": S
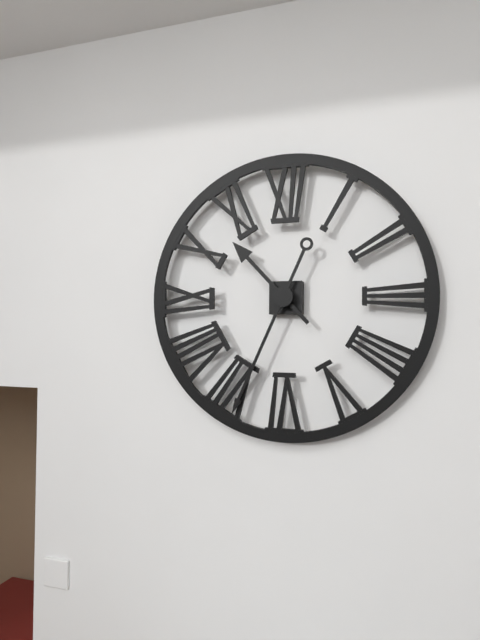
{"hour": 10, "minute": 34}
